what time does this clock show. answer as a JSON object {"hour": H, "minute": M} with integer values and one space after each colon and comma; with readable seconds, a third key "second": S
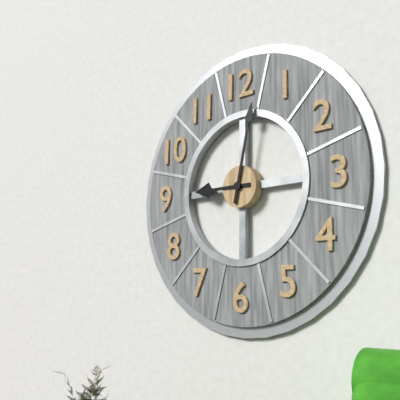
{"hour": 9, "minute": 2}
